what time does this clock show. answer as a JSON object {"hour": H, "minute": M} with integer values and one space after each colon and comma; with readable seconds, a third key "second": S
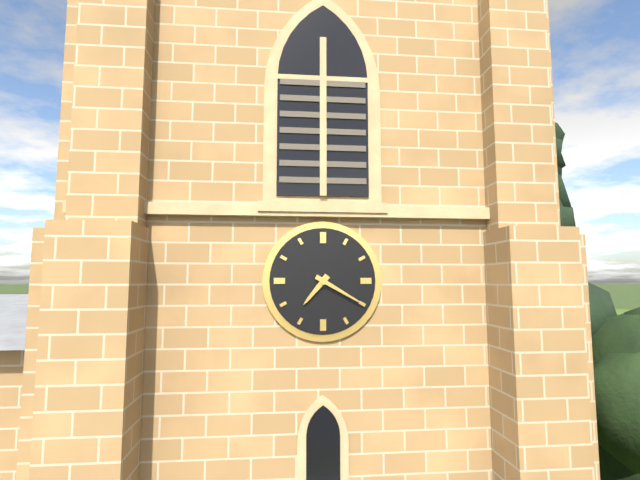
{"hour": 7, "minute": 20}
